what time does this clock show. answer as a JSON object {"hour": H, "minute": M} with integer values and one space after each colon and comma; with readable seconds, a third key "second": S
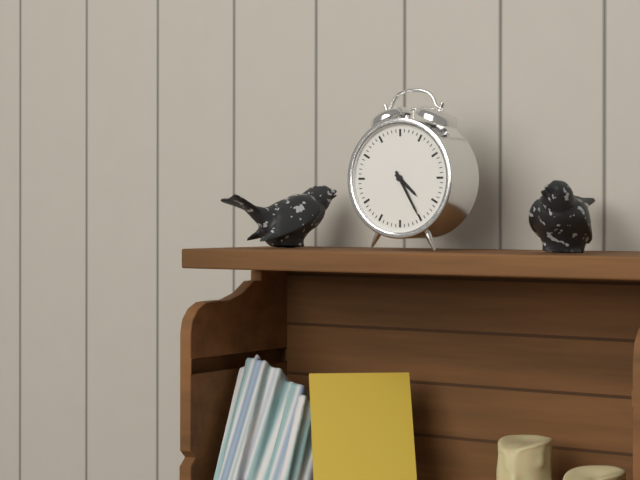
{"hour": 4, "minute": 25}
